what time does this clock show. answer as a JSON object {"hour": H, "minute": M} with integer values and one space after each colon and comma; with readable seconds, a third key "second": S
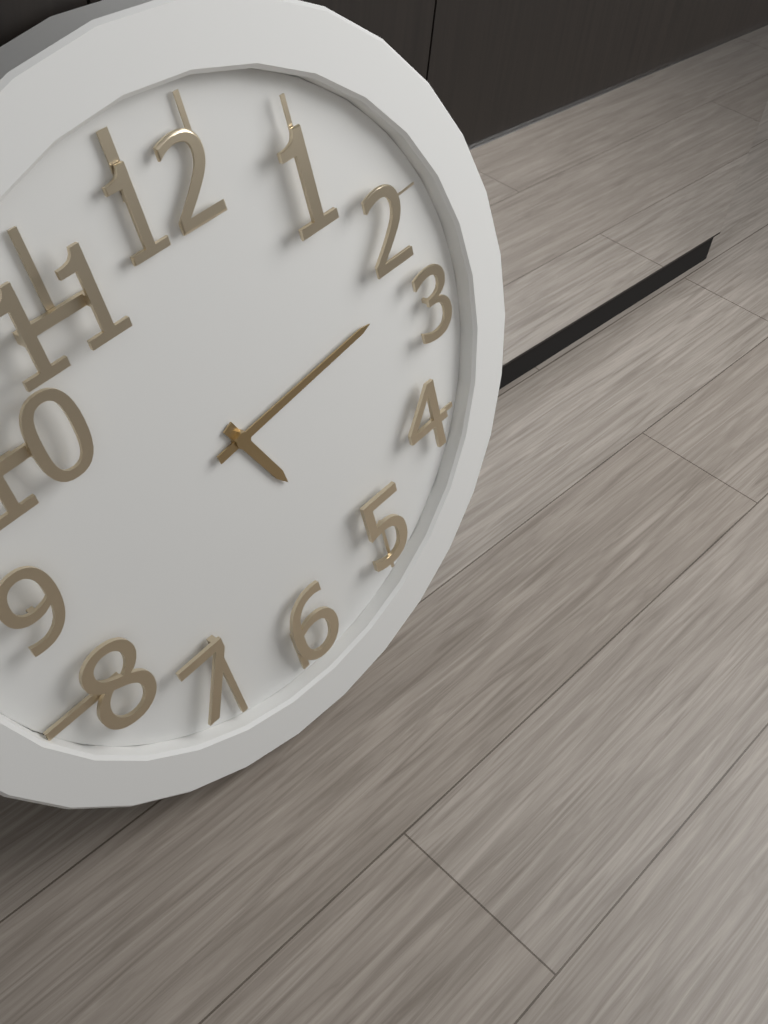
{"hour": 5, "minute": 14}
